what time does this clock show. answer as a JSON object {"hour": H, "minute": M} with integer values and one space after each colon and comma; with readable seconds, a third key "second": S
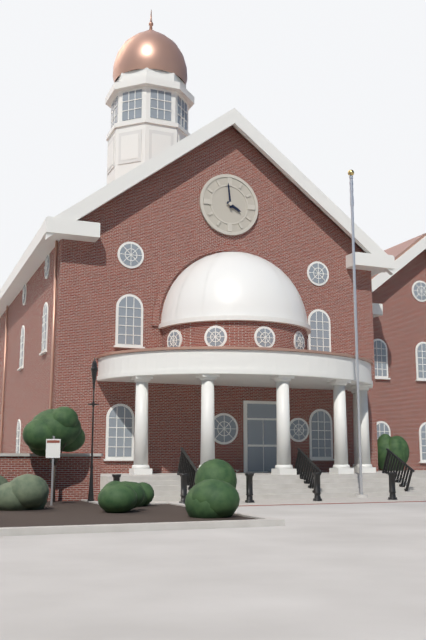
{"hour": 3, "minute": 59}
